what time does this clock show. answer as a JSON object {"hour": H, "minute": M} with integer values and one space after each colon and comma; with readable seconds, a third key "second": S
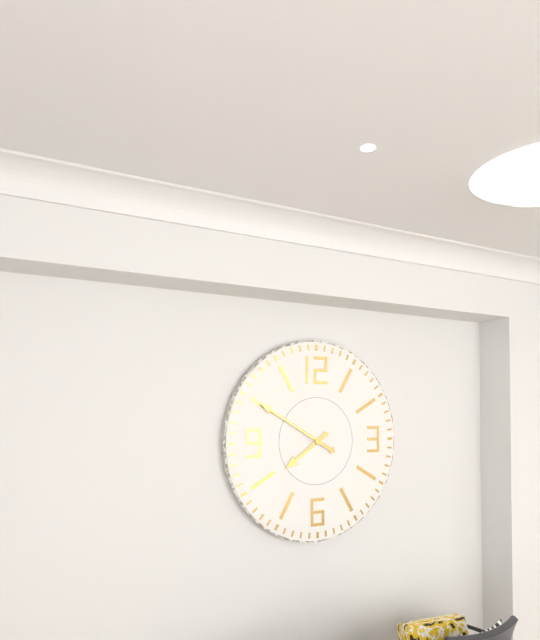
{"hour": 7, "minute": 50}
